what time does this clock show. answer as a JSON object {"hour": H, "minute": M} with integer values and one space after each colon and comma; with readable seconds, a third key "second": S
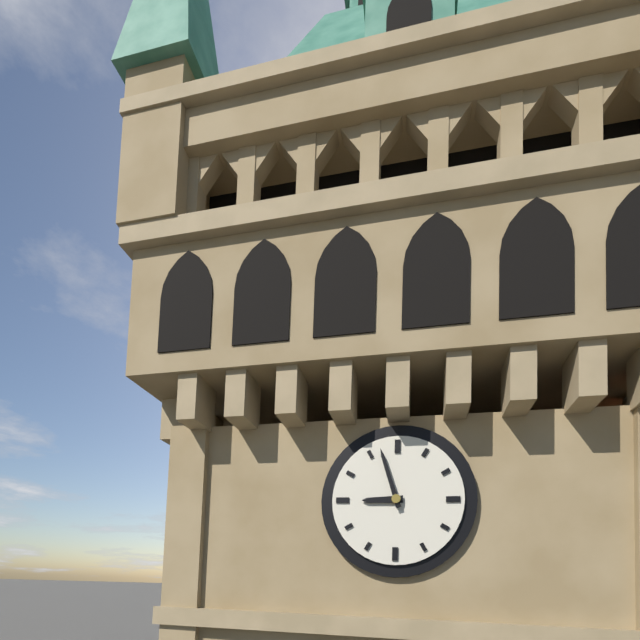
{"hour": 8, "minute": 57}
